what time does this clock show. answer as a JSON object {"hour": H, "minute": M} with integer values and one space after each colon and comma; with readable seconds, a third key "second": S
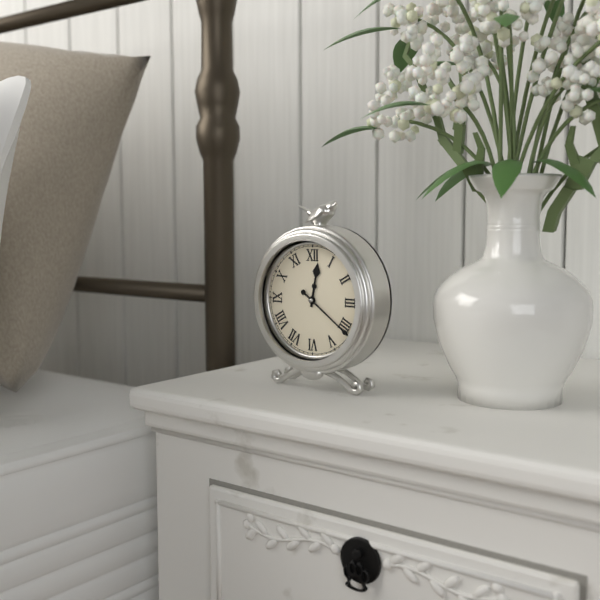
{"hour": 12, "minute": 21}
